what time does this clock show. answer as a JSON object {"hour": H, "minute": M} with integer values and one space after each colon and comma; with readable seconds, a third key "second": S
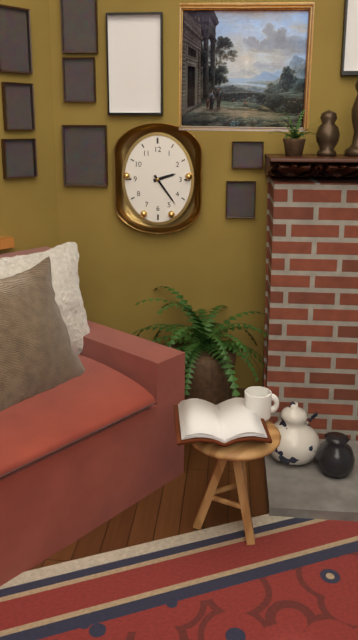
{"hour": 2, "minute": 24}
